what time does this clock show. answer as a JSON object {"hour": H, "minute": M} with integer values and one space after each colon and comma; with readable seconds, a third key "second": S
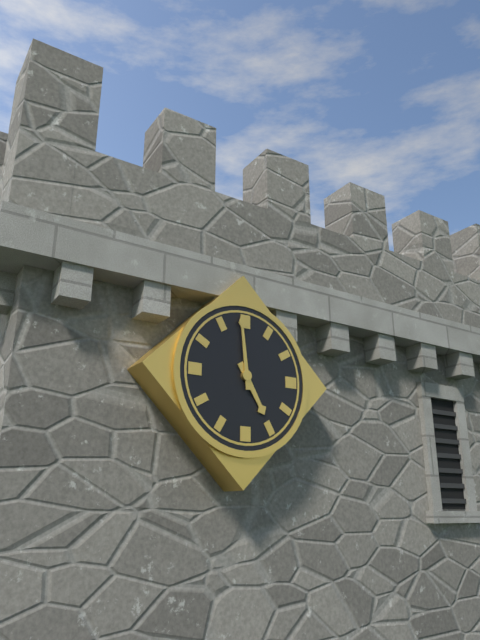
{"hour": 4, "minute": 59}
